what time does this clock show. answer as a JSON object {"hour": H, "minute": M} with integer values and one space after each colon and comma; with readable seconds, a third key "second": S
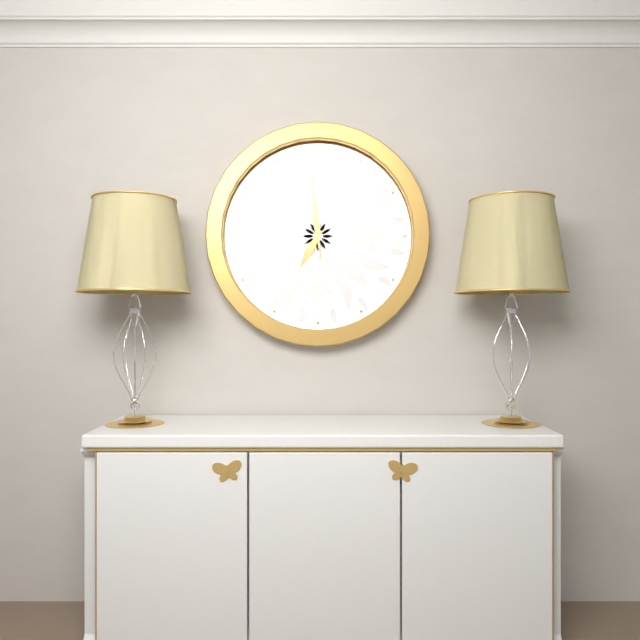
{"hour": 6, "minute": 59}
